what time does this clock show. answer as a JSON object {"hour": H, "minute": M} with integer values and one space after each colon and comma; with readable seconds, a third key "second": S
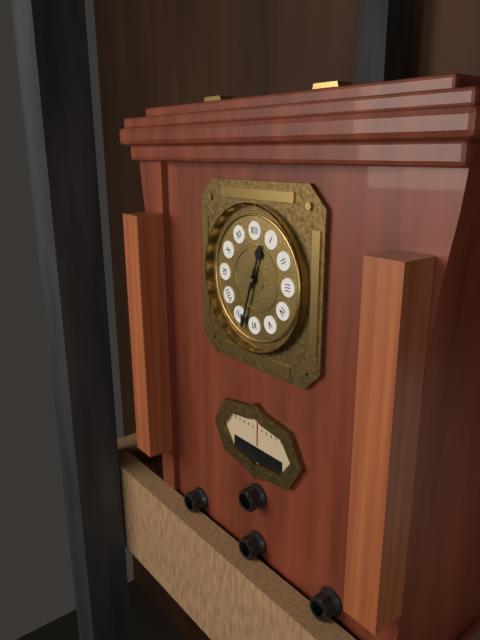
{"hour": 12, "minute": 33}
